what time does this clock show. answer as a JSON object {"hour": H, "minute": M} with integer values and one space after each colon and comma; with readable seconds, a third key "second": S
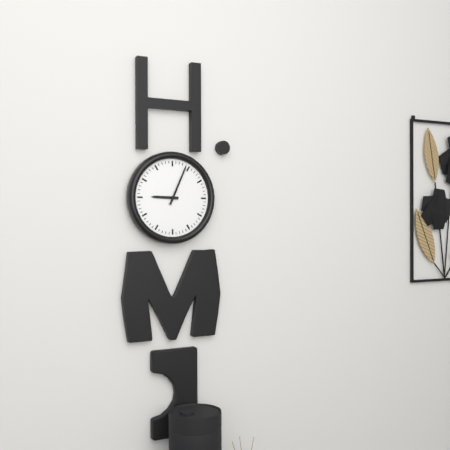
{"hour": 9, "minute": 4}
